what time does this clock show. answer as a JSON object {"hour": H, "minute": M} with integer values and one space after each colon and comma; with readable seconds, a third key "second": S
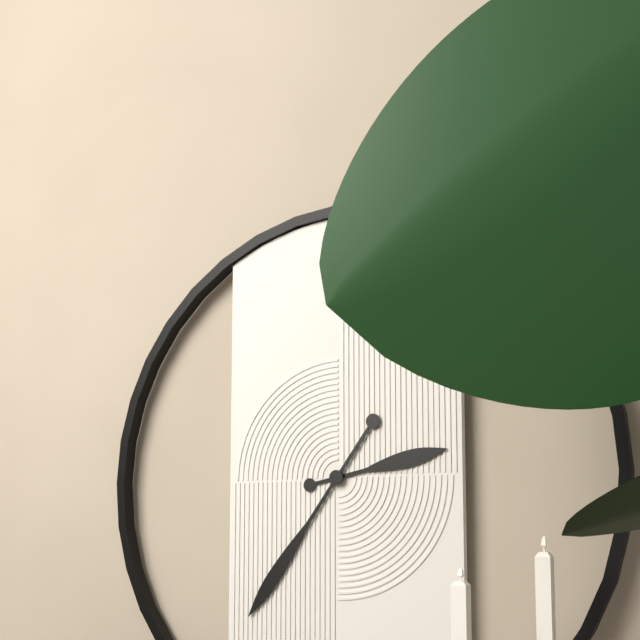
{"hour": 2, "minute": 36}
